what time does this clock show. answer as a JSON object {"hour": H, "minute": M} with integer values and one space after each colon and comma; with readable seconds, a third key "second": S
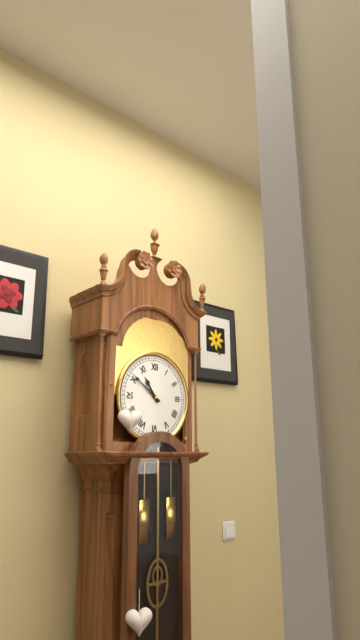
{"hour": 10, "minute": 51}
